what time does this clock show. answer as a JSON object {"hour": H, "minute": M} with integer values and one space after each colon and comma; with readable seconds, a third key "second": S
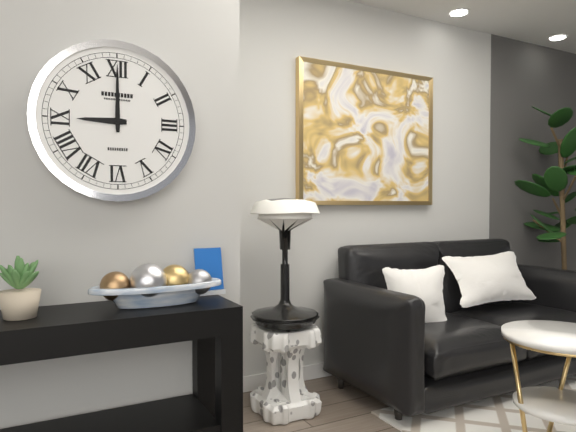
{"hour": 9, "minute": 0}
